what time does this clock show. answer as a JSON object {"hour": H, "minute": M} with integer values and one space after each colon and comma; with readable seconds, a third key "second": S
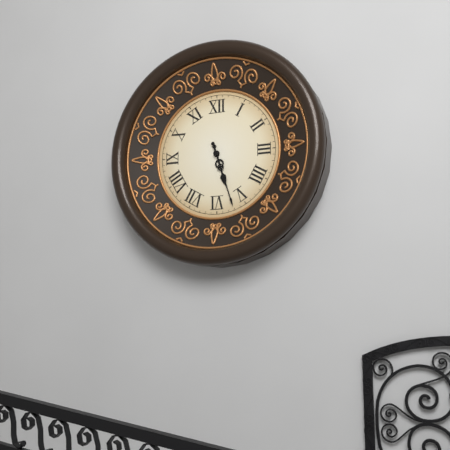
{"hour": 5, "minute": 27}
